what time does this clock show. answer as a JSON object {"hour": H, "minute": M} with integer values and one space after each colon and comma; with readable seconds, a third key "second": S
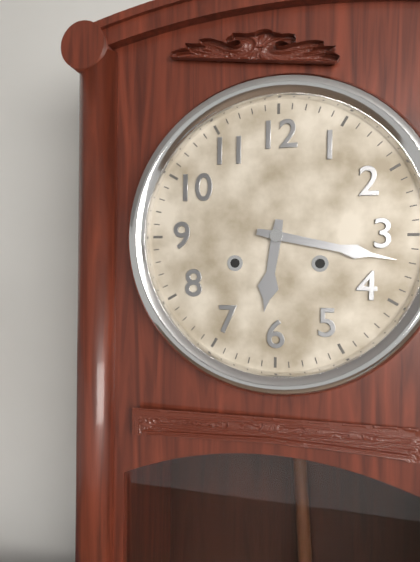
{"hour": 6, "minute": 17}
